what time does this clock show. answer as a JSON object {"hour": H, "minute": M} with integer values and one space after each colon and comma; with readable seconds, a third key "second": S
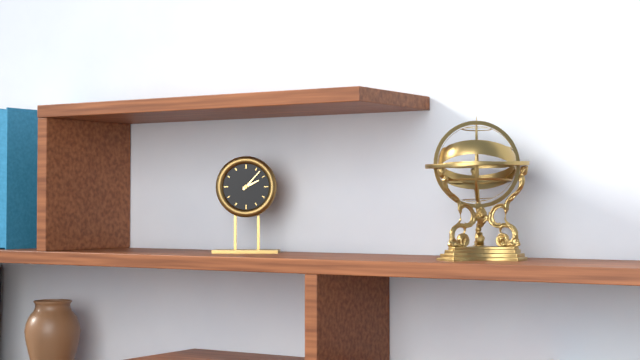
{"hour": 2, "minute": 7}
